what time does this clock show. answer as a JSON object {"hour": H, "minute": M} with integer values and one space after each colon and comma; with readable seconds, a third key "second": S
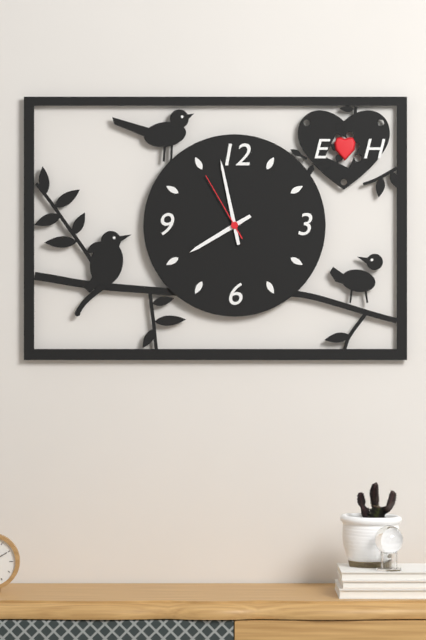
{"hour": 7, "minute": 58, "second": 55}
